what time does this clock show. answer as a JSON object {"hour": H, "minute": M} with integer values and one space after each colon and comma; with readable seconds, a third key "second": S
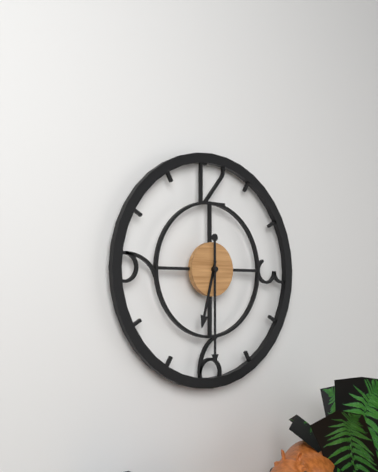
{"hour": 6, "minute": 30}
